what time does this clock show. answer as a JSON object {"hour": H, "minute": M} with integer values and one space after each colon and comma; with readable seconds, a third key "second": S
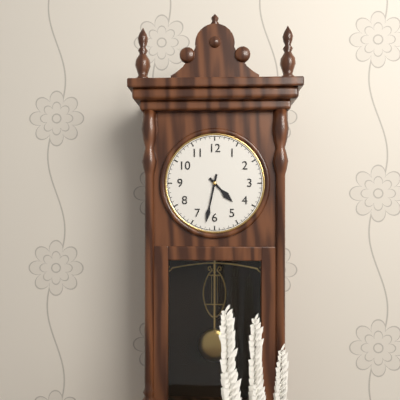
{"hour": 4, "minute": 32}
